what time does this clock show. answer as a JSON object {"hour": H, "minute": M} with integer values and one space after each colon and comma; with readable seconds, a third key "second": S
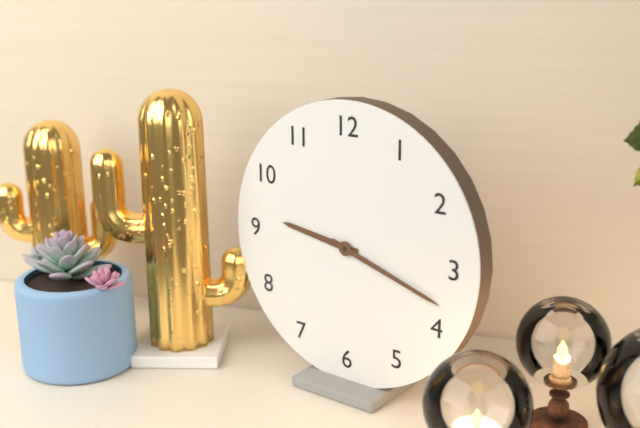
{"hour": 9, "minute": 18}
